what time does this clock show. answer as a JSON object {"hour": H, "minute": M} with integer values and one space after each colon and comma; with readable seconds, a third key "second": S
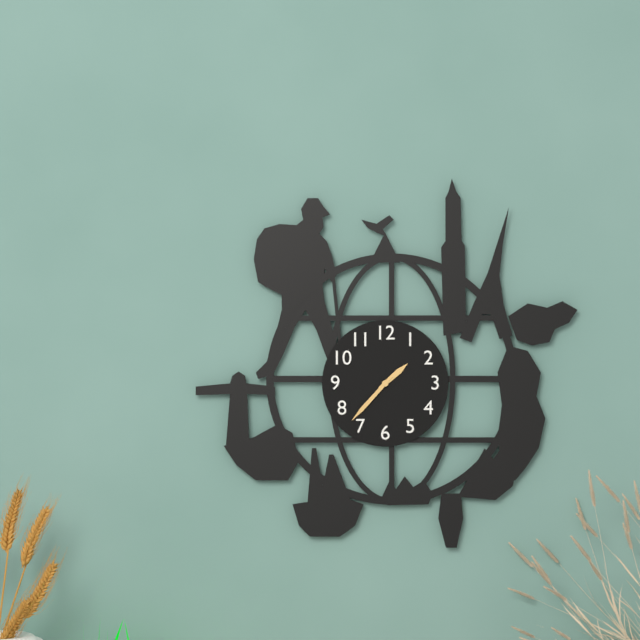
{"hour": 1, "minute": 37}
